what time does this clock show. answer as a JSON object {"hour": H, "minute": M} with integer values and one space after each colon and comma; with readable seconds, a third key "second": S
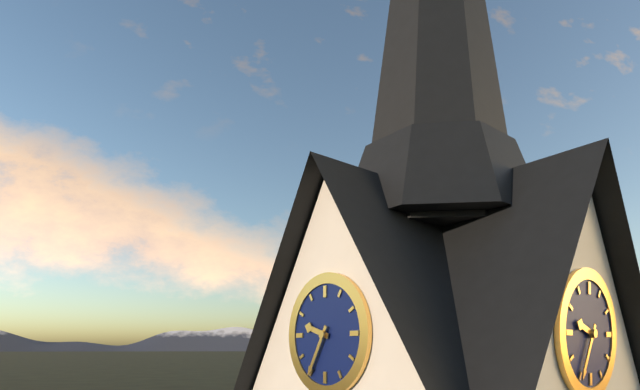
{"hour": 9, "minute": 35}
